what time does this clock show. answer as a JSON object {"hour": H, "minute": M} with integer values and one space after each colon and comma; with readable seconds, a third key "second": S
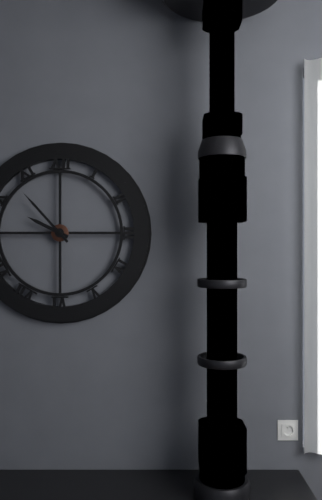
{"hour": 9, "minute": 53}
